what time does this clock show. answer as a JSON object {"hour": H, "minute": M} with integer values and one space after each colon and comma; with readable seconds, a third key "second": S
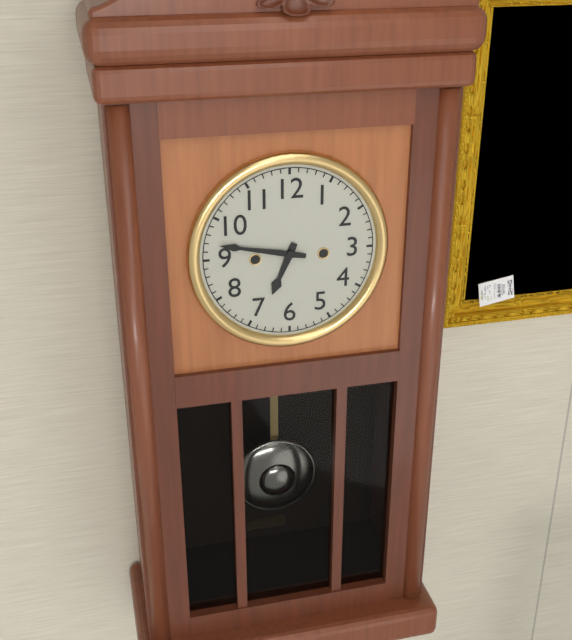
{"hour": 6, "minute": 47}
